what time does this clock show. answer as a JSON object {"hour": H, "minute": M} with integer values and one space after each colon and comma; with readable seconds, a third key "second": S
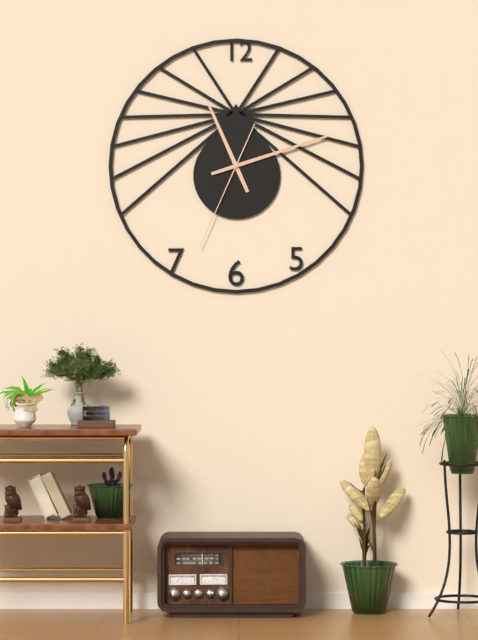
{"hour": 11, "minute": 12, "second": 34}
